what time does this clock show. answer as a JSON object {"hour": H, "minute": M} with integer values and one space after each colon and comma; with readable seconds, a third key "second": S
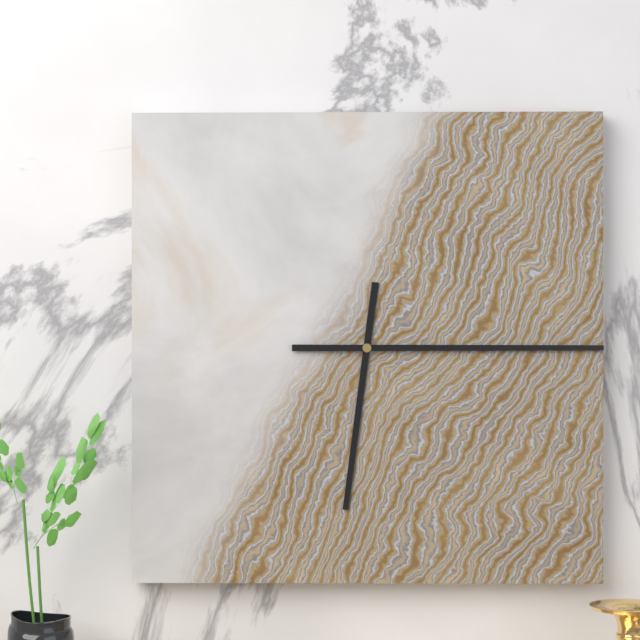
{"hour": 6, "minute": 15}
